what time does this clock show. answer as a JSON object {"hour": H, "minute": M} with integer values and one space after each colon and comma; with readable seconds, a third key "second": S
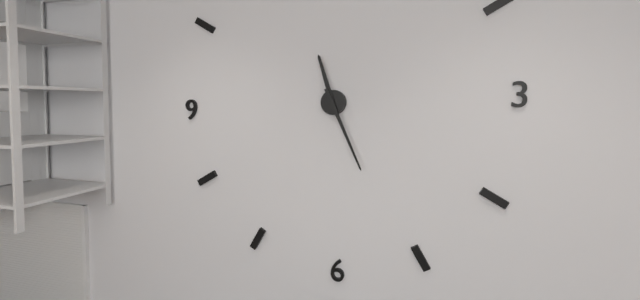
{"hour": 11, "minute": 26}
